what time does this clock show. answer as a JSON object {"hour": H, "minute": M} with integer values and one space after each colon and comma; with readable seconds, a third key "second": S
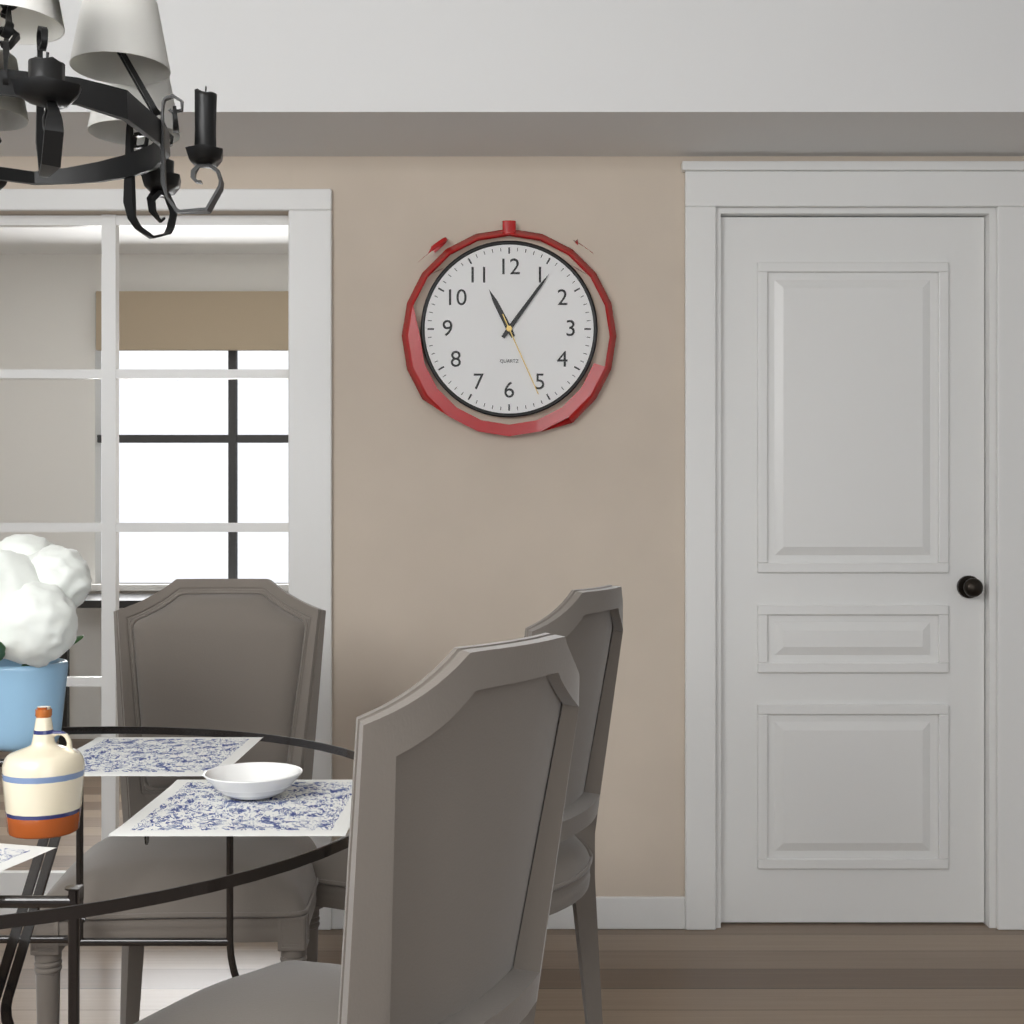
{"hour": 11, "minute": 6, "second": 26}
